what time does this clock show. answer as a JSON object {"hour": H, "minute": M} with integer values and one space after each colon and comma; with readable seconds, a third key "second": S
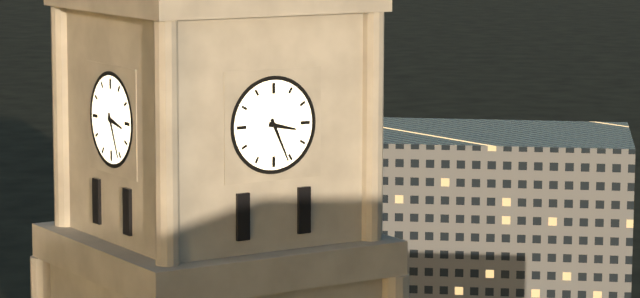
{"hour": 3, "minute": 26}
